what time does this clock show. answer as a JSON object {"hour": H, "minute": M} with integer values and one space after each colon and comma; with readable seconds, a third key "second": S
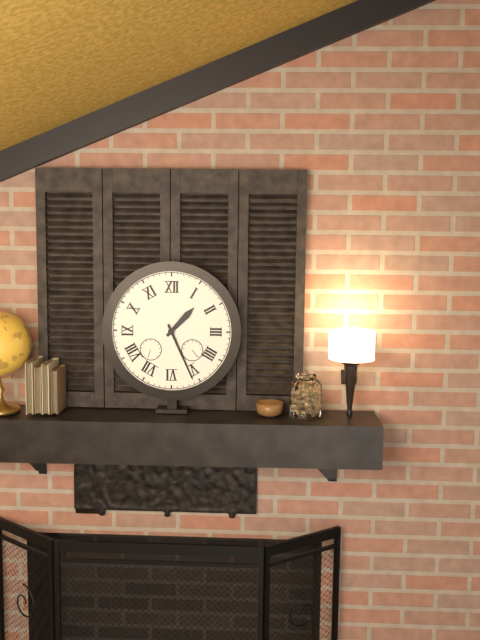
{"hour": 1, "minute": 26}
